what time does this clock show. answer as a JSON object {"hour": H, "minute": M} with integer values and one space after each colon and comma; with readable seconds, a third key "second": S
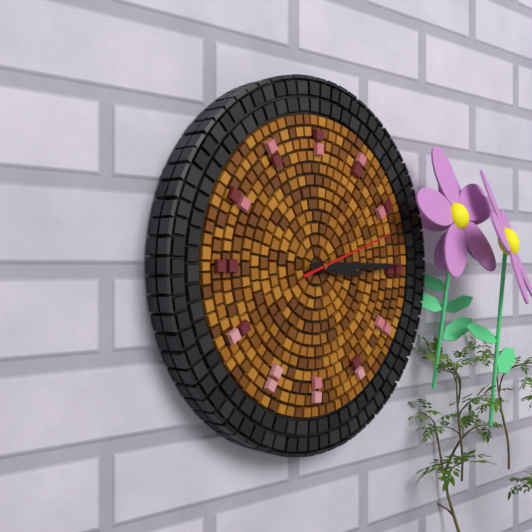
{"hour": 3, "minute": 15, "second": 12}
